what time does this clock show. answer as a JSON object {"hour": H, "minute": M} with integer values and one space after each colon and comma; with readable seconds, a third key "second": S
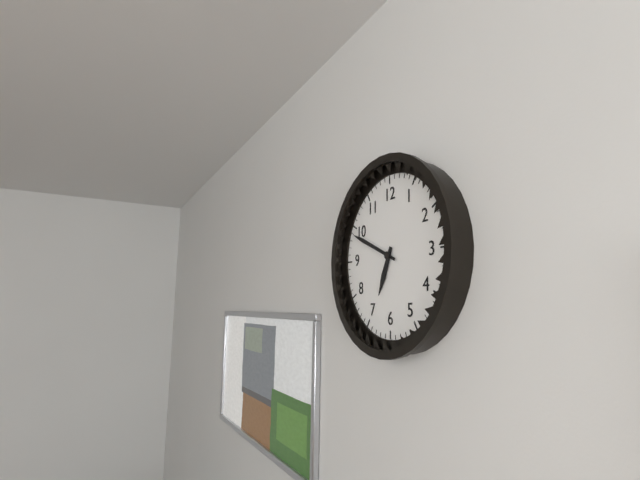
{"hour": 6, "minute": 49}
